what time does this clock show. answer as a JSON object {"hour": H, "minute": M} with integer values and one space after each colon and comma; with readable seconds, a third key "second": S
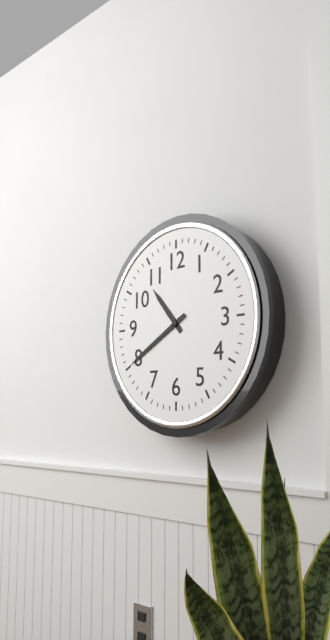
{"hour": 10, "minute": 40}
